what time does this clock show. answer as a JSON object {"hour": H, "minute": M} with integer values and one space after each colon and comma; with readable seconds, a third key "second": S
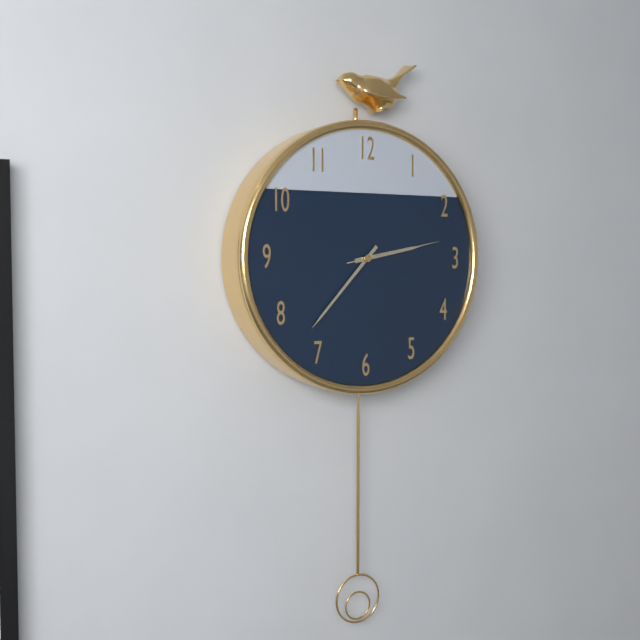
{"hour": 2, "minute": 37, "second": 13}
